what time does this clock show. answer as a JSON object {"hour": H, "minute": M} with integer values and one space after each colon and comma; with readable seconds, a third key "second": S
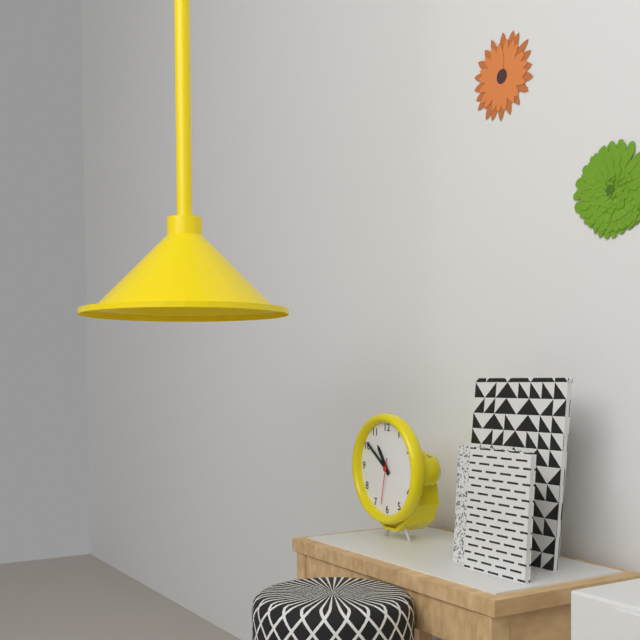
{"hour": 10, "minute": 51}
